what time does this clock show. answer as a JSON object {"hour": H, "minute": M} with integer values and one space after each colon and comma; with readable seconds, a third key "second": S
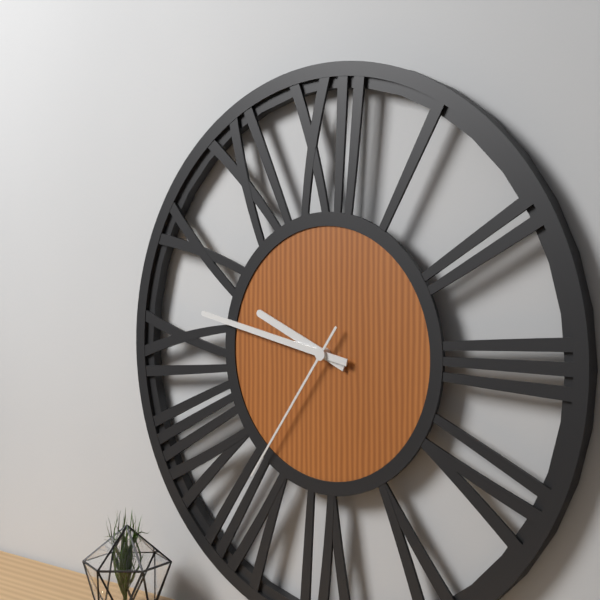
{"hour": 9, "minute": 47, "second": 36}
